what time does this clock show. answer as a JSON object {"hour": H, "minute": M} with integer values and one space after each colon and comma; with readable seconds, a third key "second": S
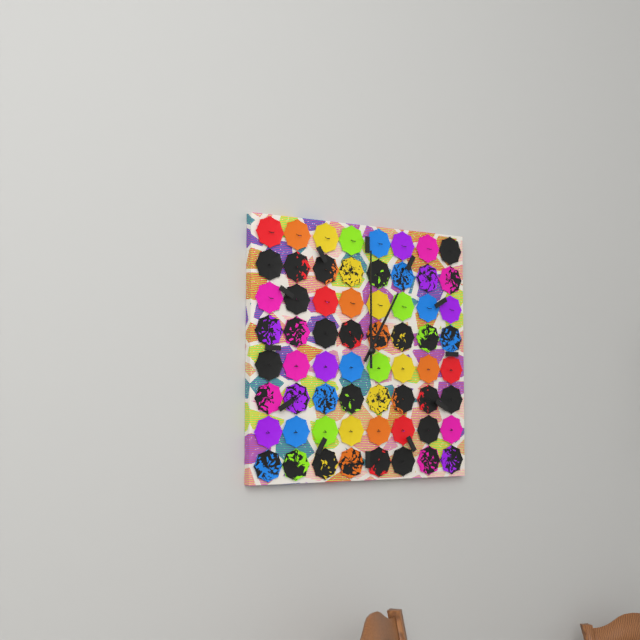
{"hour": 1, "minute": 0}
